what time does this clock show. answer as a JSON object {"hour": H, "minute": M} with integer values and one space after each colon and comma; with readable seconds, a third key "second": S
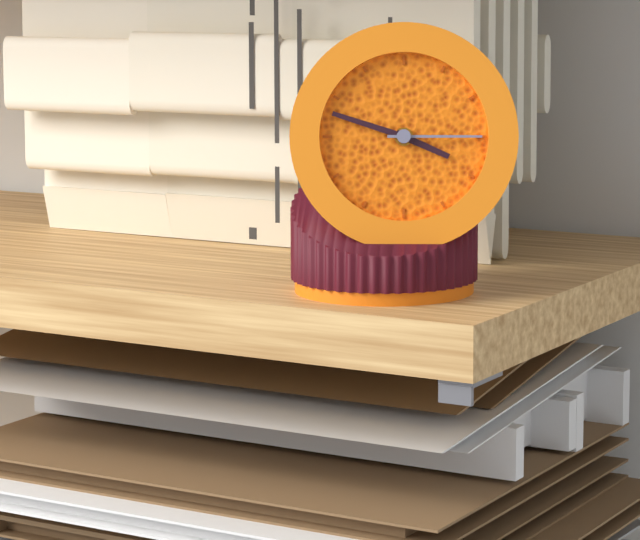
{"hour": 3, "minute": 48, "second": 15}
